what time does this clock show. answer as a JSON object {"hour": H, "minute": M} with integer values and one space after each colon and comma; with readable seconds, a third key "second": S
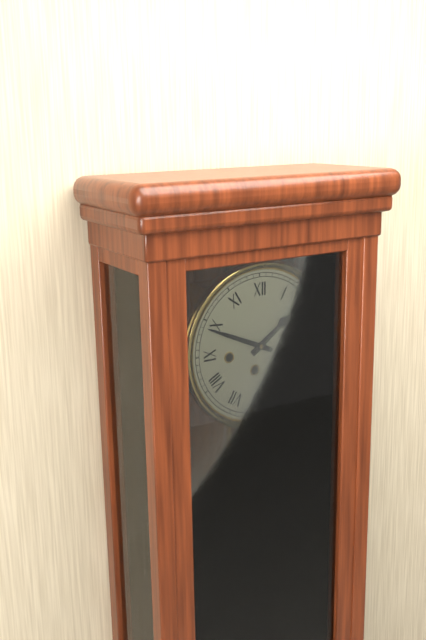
{"hour": 1, "minute": 49}
